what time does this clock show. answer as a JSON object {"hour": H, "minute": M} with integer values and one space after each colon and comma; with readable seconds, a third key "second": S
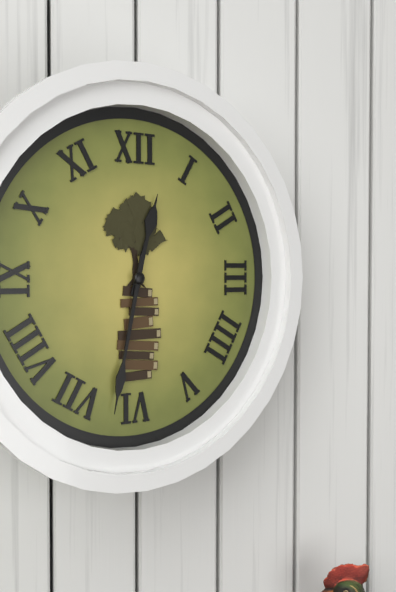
{"hour": 12, "minute": 32}
